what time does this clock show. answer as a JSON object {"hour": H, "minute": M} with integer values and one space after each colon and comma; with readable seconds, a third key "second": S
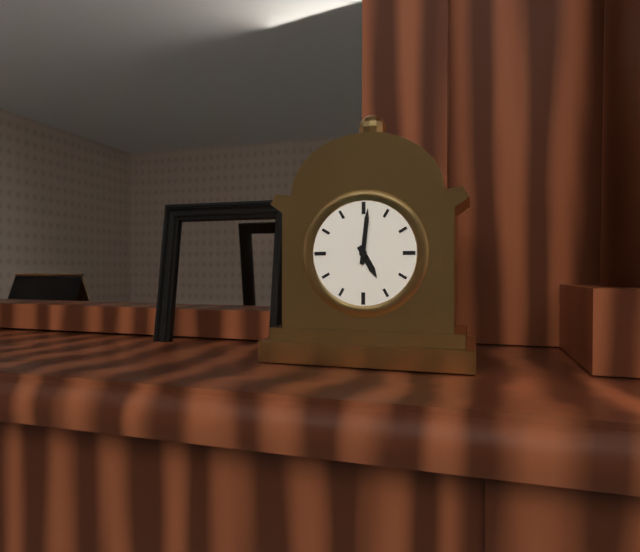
{"hour": 5, "minute": 1}
